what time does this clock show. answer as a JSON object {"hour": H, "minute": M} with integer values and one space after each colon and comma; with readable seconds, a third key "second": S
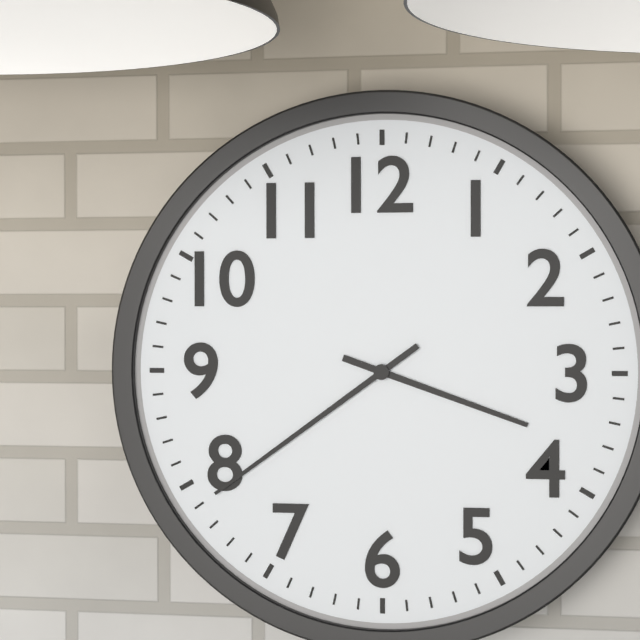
{"hour": 3, "minute": 39}
